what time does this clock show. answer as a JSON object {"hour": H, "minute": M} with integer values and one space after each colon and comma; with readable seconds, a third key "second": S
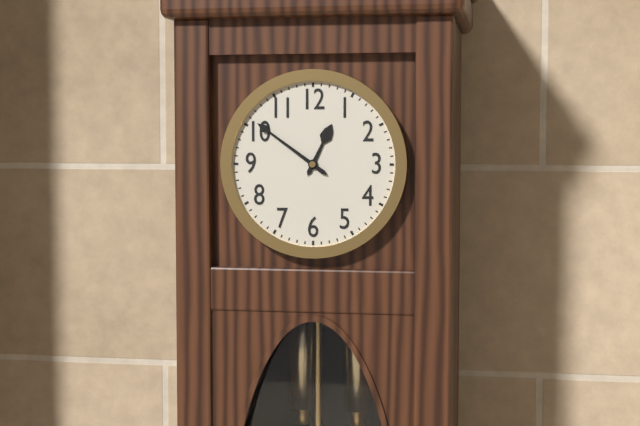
{"hour": 12, "minute": 51}
